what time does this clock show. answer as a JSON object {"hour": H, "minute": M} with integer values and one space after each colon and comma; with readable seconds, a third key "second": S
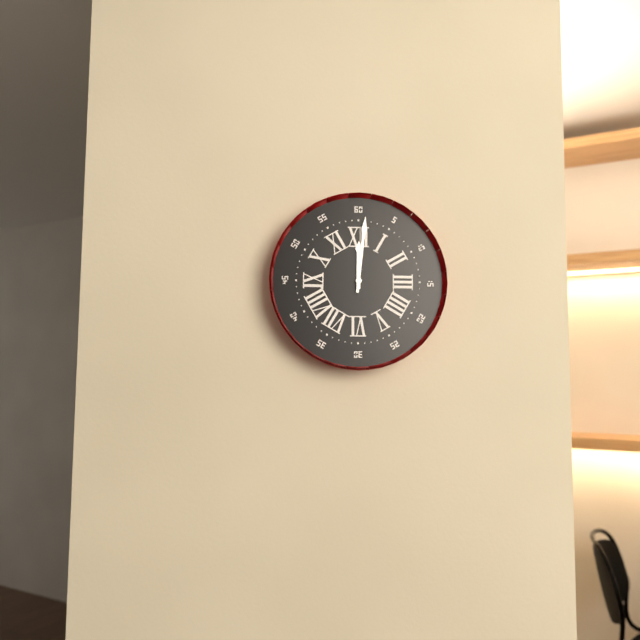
{"hour": 12, "minute": 1}
